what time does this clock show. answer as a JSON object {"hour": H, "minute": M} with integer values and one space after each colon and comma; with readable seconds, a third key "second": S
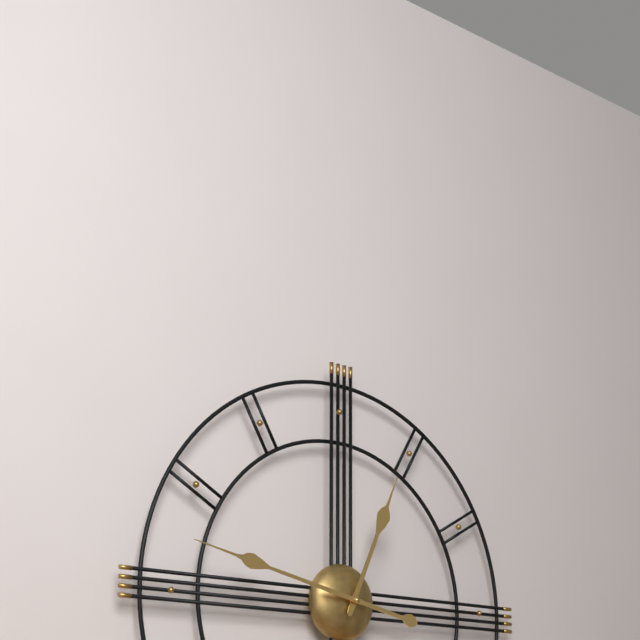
{"hour": 12, "minute": 47}
